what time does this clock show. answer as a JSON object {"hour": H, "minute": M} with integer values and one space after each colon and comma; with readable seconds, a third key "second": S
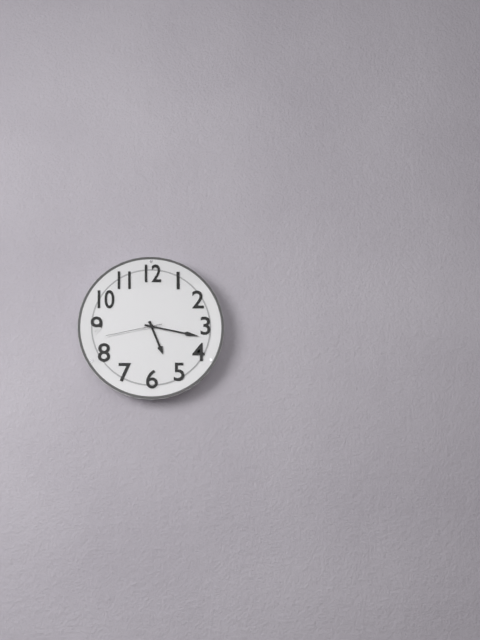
{"hour": 5, "minute": 17, "second": 43}
